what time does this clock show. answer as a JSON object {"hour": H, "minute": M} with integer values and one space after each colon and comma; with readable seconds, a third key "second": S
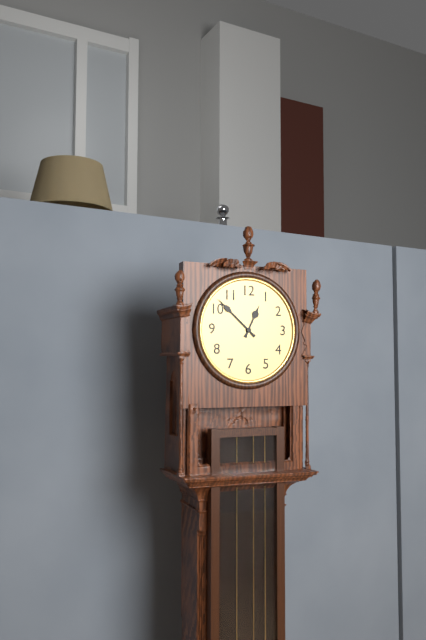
{"hour": 12, "minute": 52}
